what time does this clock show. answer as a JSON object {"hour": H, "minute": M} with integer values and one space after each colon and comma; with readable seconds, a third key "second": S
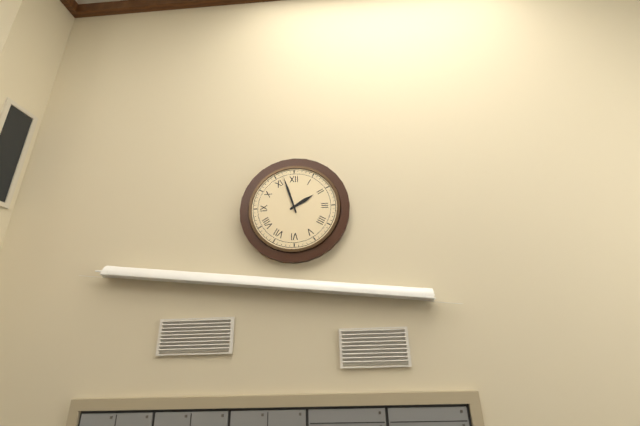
{"hour": 1, "minute": 57}
